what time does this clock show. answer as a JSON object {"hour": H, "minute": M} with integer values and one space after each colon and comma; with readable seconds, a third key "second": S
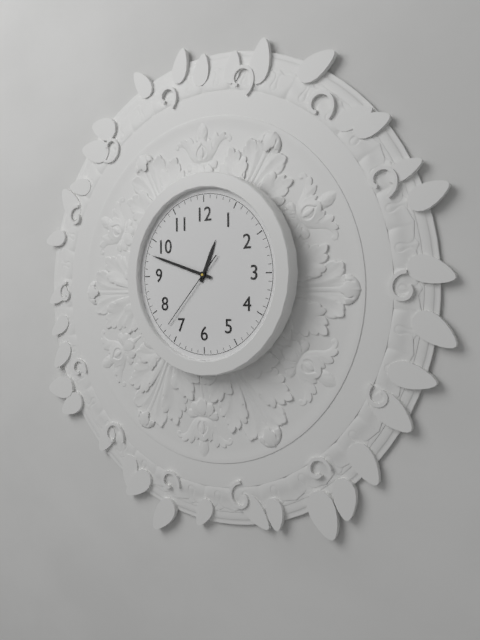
{"hour": 12, "minute": 48, "second": 37}
